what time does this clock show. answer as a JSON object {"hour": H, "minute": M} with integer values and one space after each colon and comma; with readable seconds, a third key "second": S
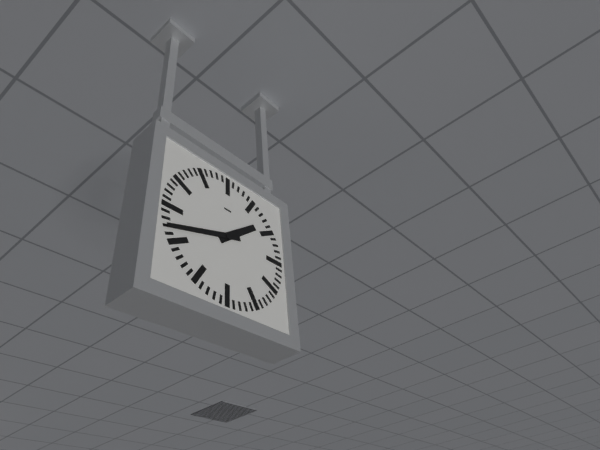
{"hour": 1, "minute": 42}
